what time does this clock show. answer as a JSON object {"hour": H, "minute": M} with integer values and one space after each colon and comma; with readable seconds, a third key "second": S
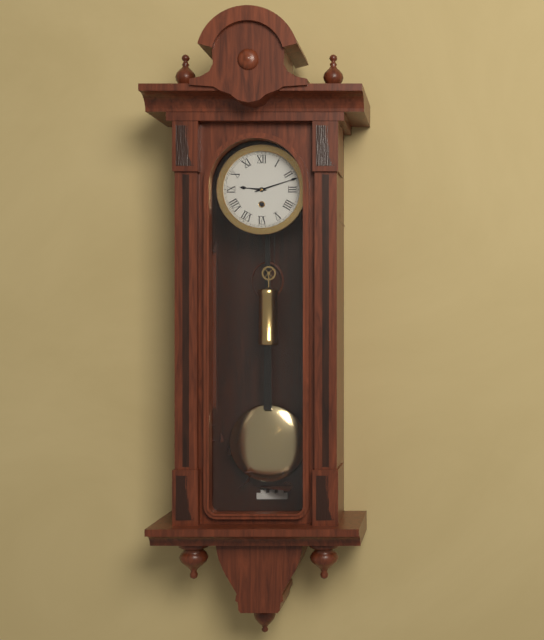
{"hour": 9, "minute": 12}
